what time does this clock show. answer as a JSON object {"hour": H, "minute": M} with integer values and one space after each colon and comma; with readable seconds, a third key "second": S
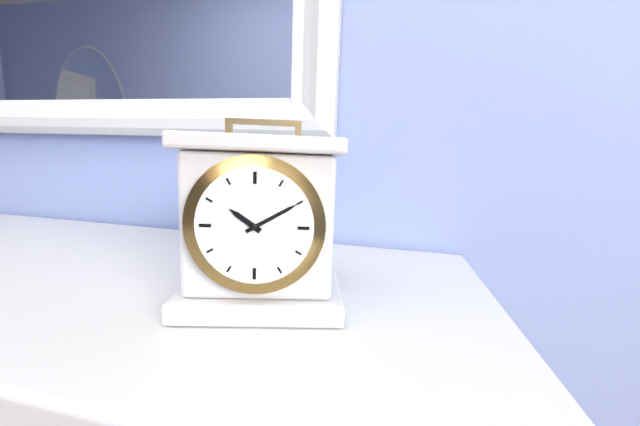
{"hour": 10, "minute": 10}
